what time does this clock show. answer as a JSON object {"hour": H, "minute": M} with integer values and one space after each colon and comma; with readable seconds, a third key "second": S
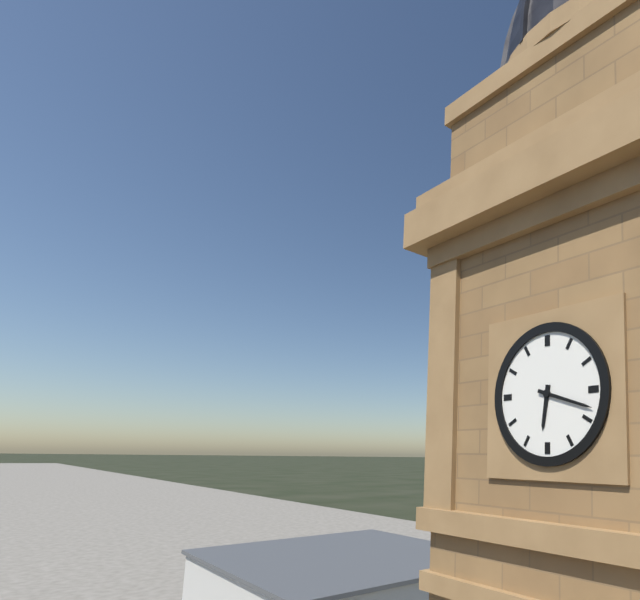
{"hour": 6, "minute": 18}
